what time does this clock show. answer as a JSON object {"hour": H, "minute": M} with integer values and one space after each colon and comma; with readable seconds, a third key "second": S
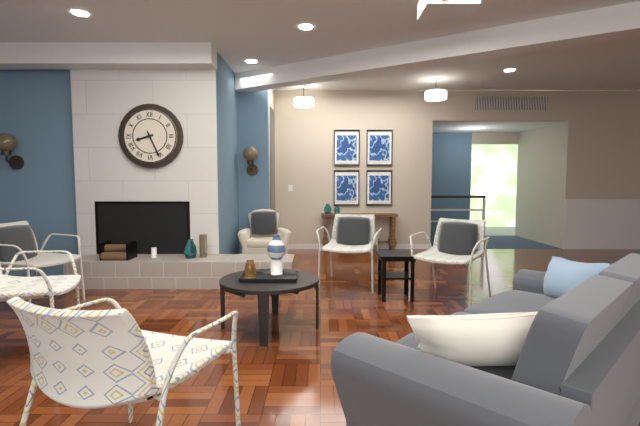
{"hour": 8, "minute": 26}
